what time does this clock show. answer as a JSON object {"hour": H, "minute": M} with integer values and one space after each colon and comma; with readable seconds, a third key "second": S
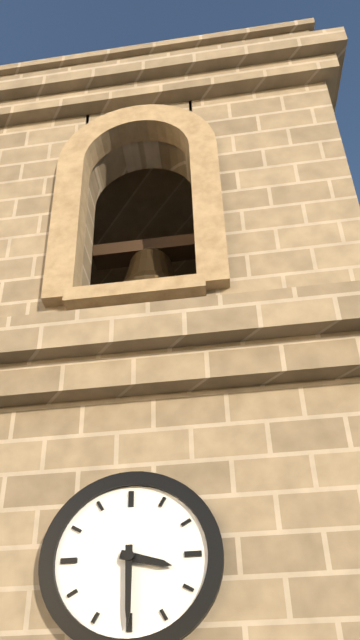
{"hour": 3, "minute": 30}
